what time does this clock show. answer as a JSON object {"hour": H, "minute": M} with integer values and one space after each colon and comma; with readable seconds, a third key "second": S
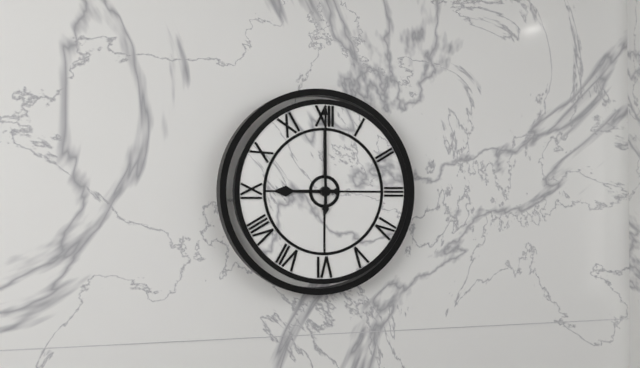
{"hour": 9, "minute": 0}
